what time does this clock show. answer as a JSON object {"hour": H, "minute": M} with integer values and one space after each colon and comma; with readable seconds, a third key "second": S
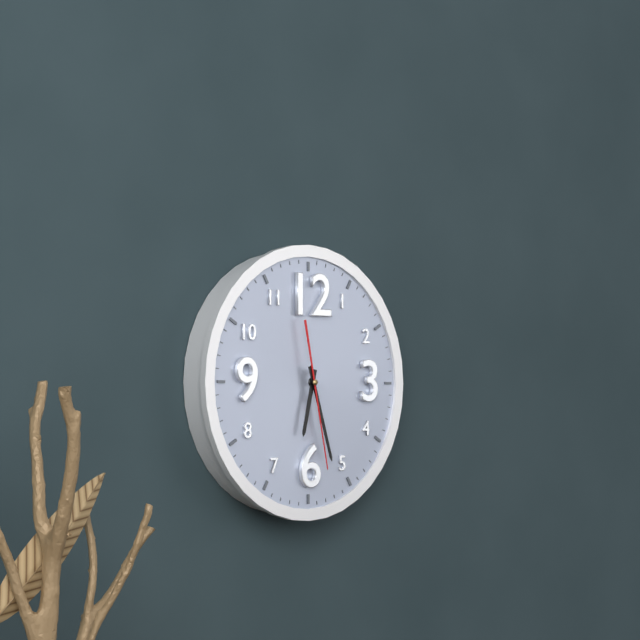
{"hour": 6, "minute": 27, "second": 28}
